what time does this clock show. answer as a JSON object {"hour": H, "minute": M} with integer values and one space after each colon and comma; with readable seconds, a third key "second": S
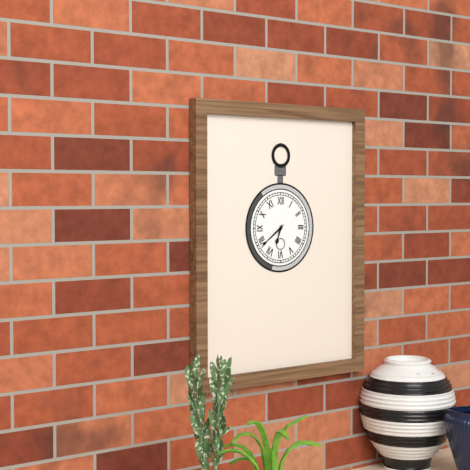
{"hour": 6, "minute": 39}
